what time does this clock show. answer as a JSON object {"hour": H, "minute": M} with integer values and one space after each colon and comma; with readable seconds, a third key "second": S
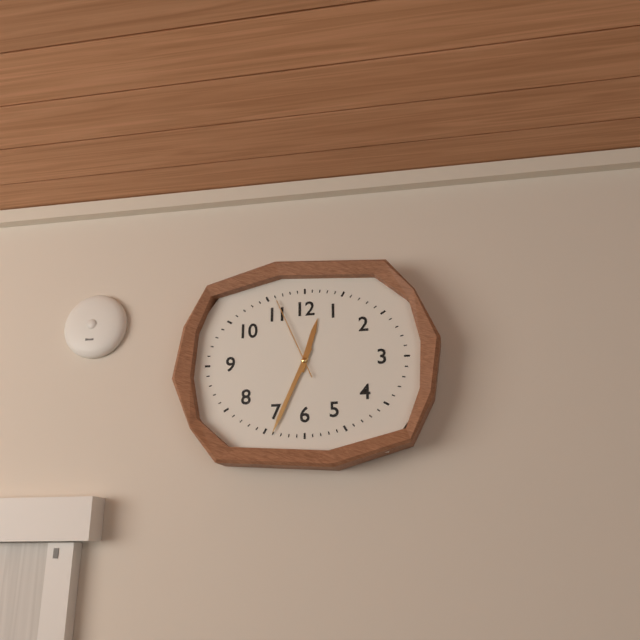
{"hour": 12, "minute": 34, "second": 56}
